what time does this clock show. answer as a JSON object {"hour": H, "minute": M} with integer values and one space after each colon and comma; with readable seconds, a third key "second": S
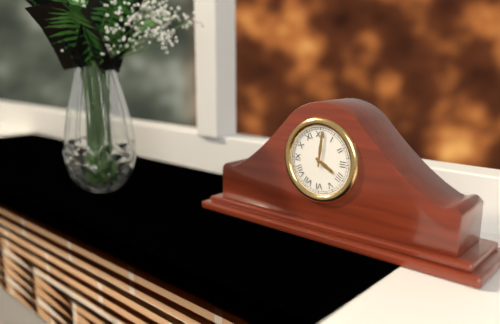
{"hour": 4, "minute": 1}
